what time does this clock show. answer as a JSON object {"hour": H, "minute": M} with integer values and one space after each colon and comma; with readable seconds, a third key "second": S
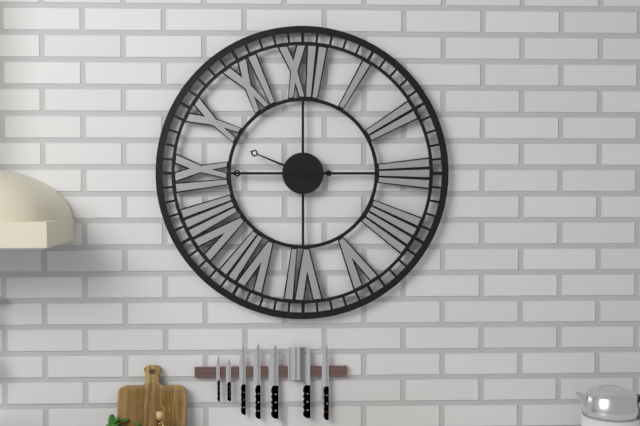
{"hour": 9, "minute": 45}
